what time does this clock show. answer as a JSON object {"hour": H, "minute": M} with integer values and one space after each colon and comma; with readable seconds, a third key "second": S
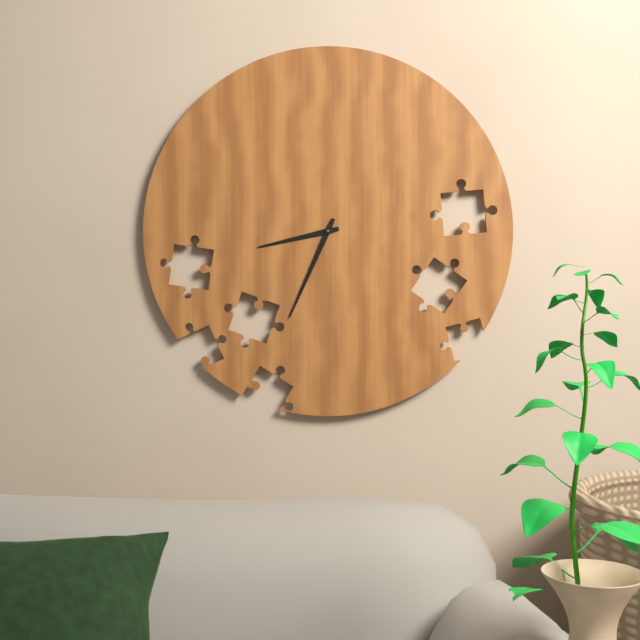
{"hour": 8, "minute": 34}
